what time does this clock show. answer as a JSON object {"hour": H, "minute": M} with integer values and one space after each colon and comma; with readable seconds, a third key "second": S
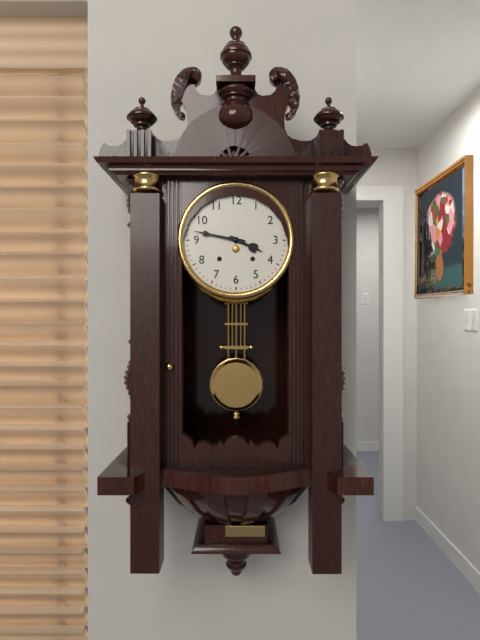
{"hour": 3, "minute": 47}
